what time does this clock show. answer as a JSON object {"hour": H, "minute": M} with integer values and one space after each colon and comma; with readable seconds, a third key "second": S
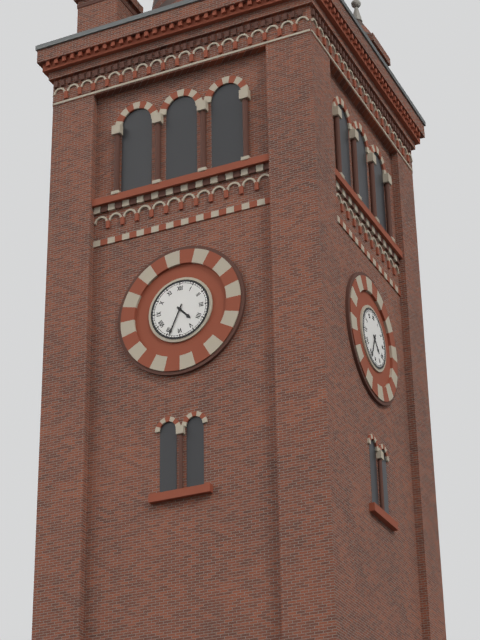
{"hour": 4, "minute": 34}
